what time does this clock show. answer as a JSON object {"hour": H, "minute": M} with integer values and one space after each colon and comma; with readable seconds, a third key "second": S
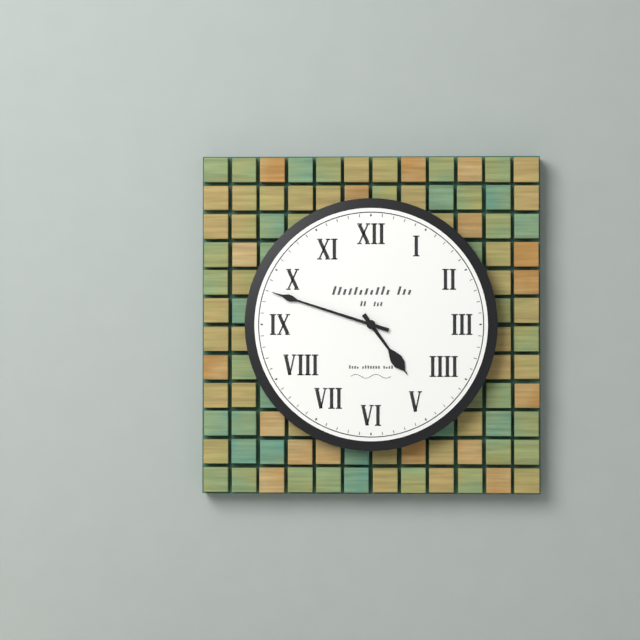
{"hour": 4, "minute": 48}
